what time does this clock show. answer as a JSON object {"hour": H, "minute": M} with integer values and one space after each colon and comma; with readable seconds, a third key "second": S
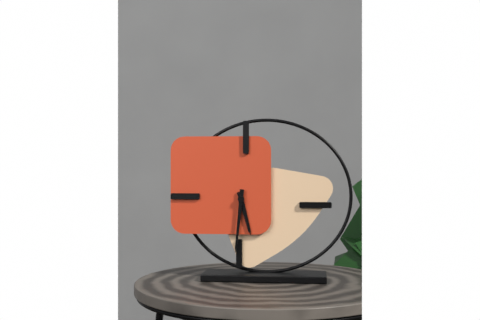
{"hour": 5, "minute": 31}
